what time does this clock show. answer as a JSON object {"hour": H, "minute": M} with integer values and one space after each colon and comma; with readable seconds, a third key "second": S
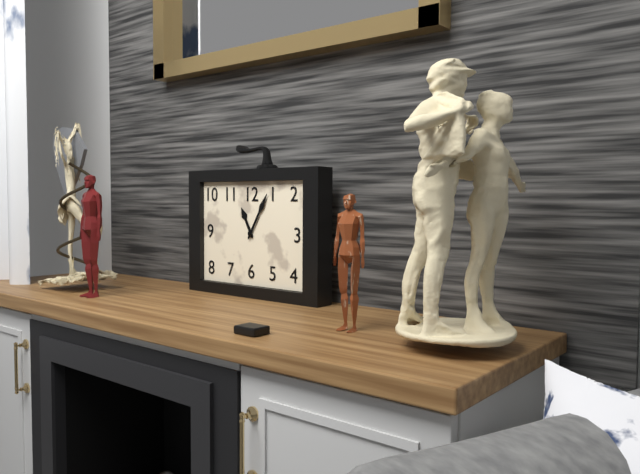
{"hour": 11, "minute": 5}
